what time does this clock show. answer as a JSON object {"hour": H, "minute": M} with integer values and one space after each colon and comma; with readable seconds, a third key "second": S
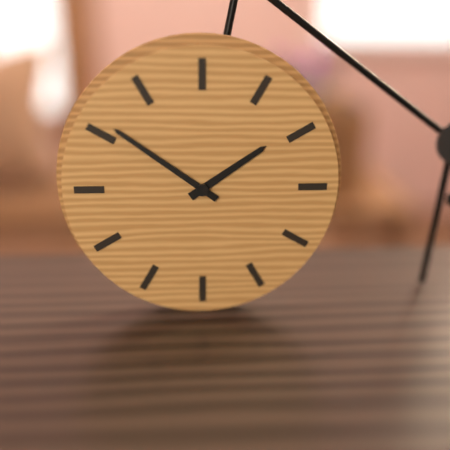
{"hour": 1, "minute": 51}
